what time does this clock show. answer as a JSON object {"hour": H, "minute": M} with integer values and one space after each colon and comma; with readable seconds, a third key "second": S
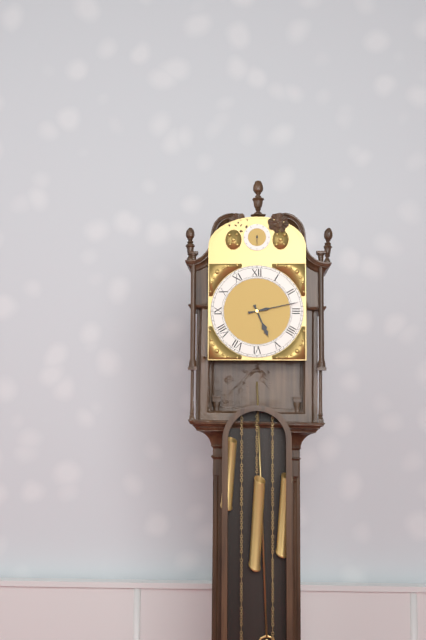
{"hour": 5, "minute": 13}
